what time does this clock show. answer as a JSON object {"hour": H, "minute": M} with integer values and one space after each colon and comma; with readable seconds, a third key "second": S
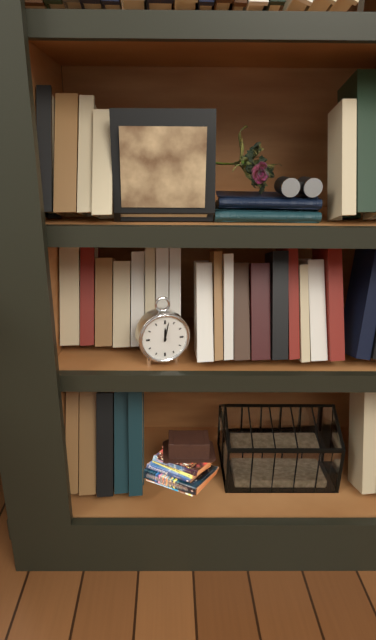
{"hour": 12, "minute": 2}
